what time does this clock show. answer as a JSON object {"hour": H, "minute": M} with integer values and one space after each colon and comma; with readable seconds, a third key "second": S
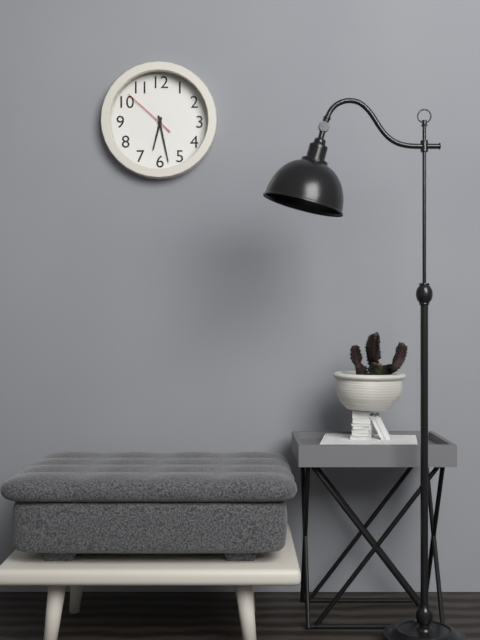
{"hour": 6, "minute": 28, "second": 52}
